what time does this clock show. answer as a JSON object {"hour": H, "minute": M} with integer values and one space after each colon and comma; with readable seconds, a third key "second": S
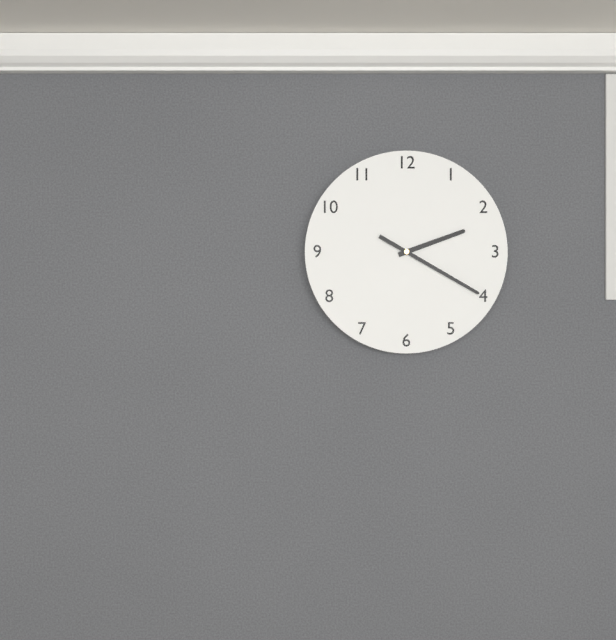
{"hour": 2, "minute": 20}
